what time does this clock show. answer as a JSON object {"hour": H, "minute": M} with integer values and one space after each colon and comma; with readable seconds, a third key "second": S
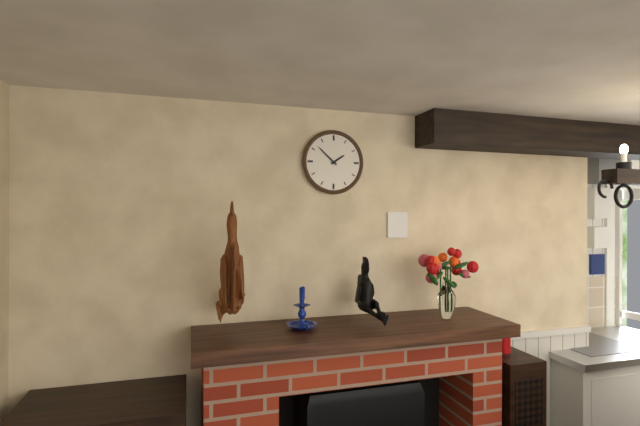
{"hour": 1, "minute": 52}
